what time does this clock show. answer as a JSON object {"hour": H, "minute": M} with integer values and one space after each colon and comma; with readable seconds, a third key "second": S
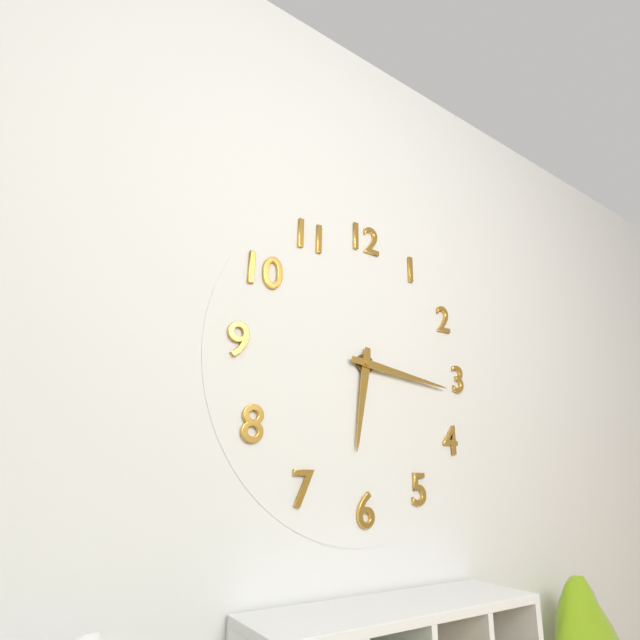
{"hour": 6, "minute": 16}
